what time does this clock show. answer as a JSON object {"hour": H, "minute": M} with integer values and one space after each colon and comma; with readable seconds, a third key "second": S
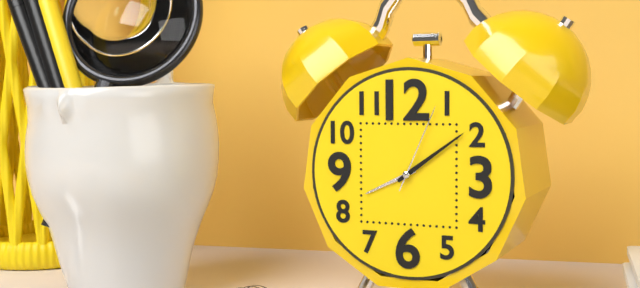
{"hour": 8, "minute": 9, "second": 4}
